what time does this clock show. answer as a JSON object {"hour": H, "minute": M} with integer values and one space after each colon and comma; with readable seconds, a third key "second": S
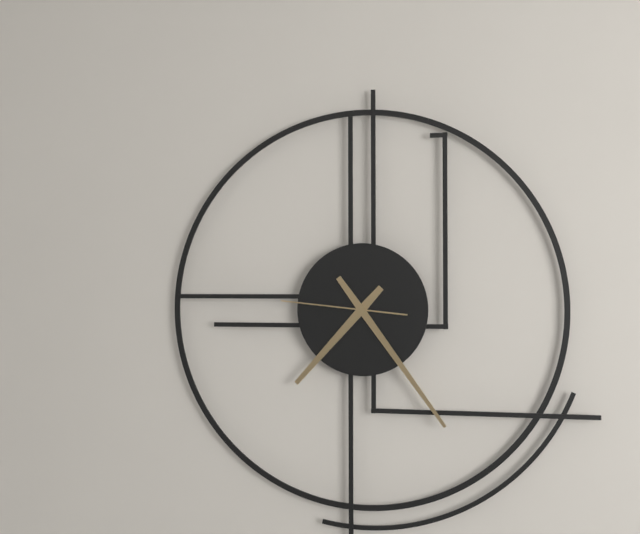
{"hour": 7, "minute": 24, "second": 46}
